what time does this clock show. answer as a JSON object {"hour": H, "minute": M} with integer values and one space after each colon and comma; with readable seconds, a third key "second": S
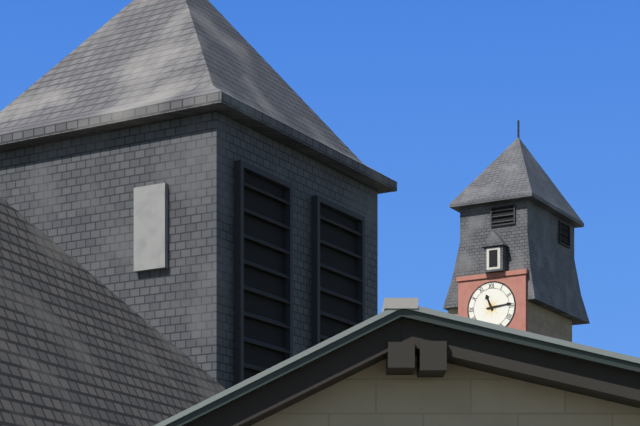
{"hour": 11, "minute": 14}
